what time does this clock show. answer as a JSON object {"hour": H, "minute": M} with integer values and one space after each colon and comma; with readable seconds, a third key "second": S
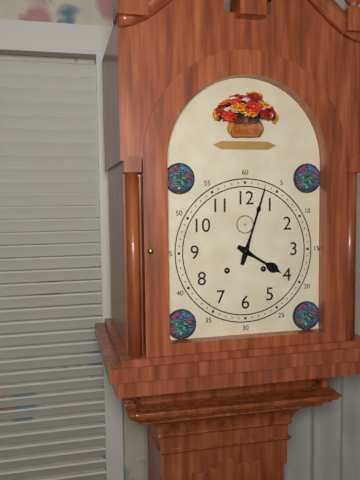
{"hour": 4, "minute": 3}
